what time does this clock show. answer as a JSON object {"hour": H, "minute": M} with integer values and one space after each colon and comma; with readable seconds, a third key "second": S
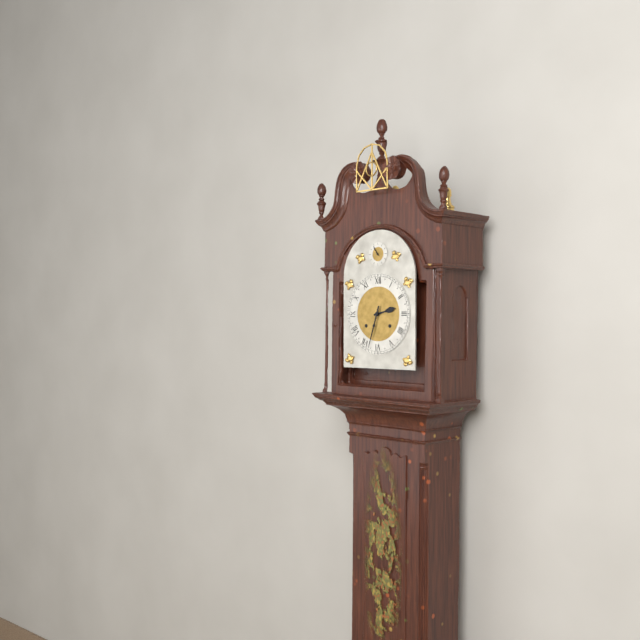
{"hour": 2, "minute": 33}
